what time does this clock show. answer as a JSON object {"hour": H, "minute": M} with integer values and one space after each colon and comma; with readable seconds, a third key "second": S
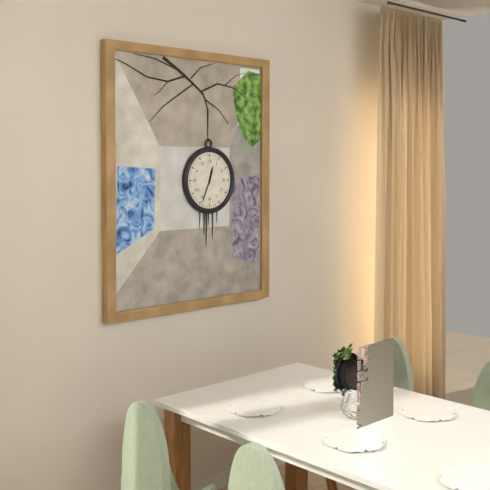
{"hour": 12, "minute": 34}
